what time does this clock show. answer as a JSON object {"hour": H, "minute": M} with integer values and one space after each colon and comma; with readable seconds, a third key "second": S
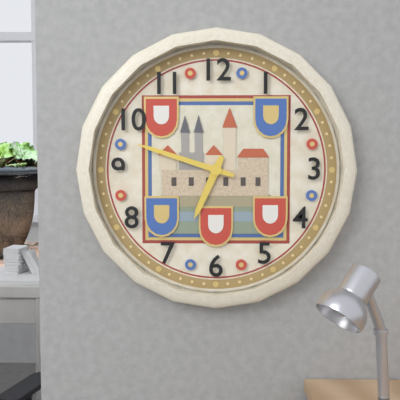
{"hour": 6, "minute": 48}
